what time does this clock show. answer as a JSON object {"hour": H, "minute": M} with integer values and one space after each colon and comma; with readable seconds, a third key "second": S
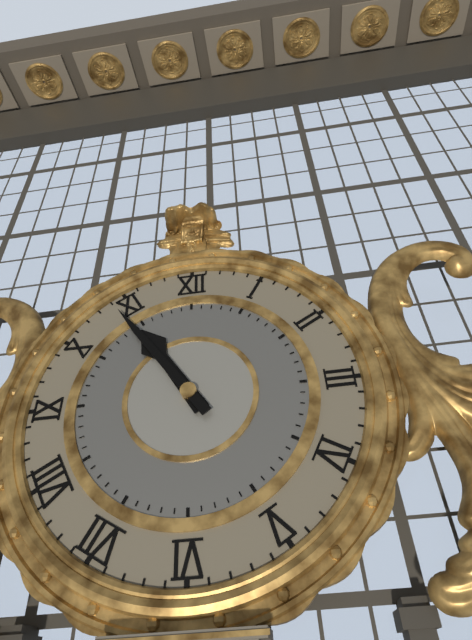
{"hour": 10, "minute": 54}
